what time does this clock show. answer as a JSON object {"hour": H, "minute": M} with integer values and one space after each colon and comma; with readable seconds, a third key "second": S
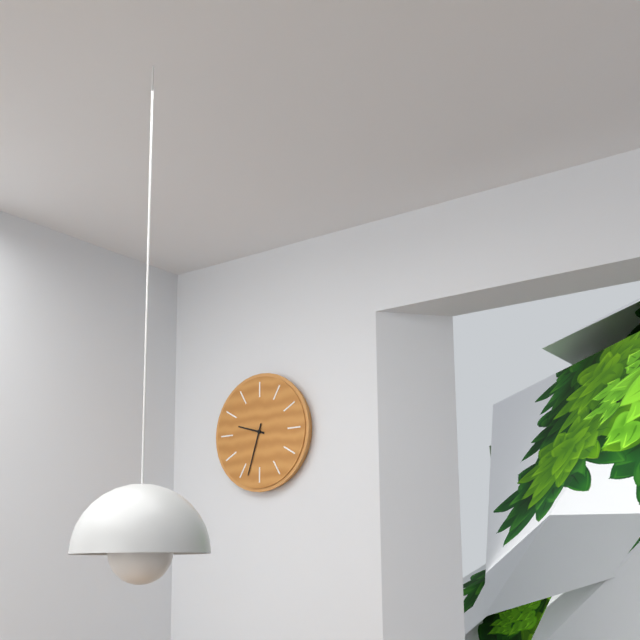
{"hour": 9, "minute": 33}
